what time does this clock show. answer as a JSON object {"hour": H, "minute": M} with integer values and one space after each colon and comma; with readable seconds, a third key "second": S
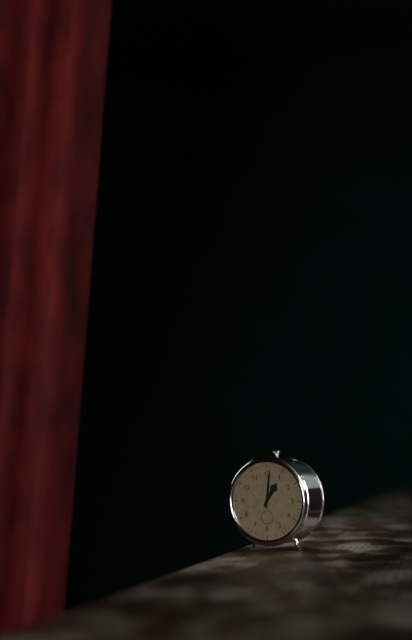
{"hour": 1, "minute": 1}
